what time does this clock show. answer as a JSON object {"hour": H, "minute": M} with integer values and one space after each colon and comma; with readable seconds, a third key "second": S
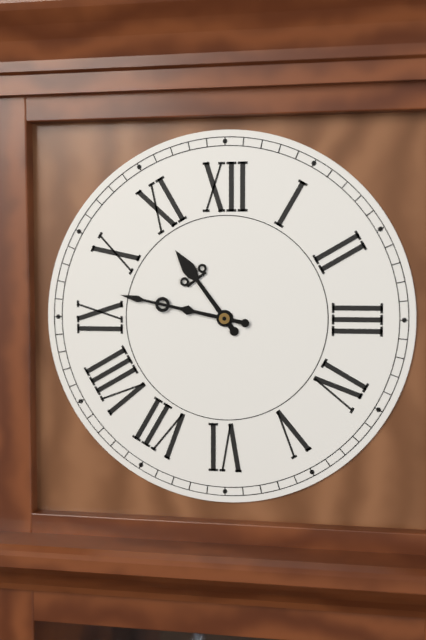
{"hour": 10, "minute": 47}
